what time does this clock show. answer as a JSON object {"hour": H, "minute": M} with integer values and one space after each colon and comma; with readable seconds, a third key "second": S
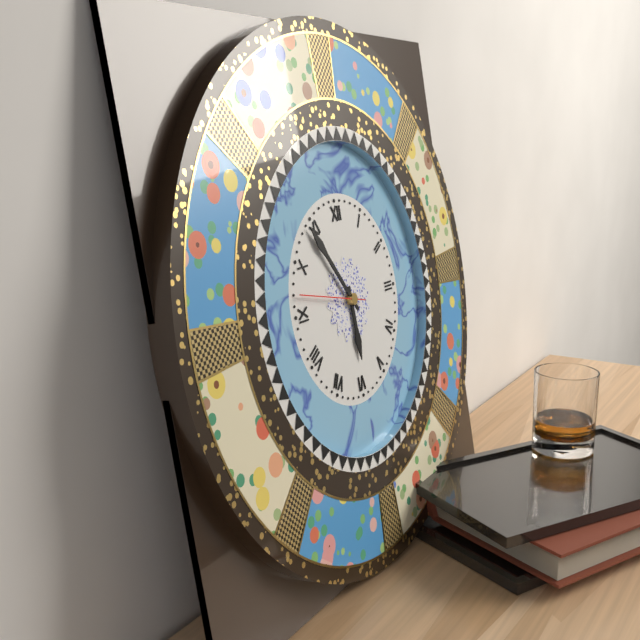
{"hour": 5, "minute": 54, "second": 47}
